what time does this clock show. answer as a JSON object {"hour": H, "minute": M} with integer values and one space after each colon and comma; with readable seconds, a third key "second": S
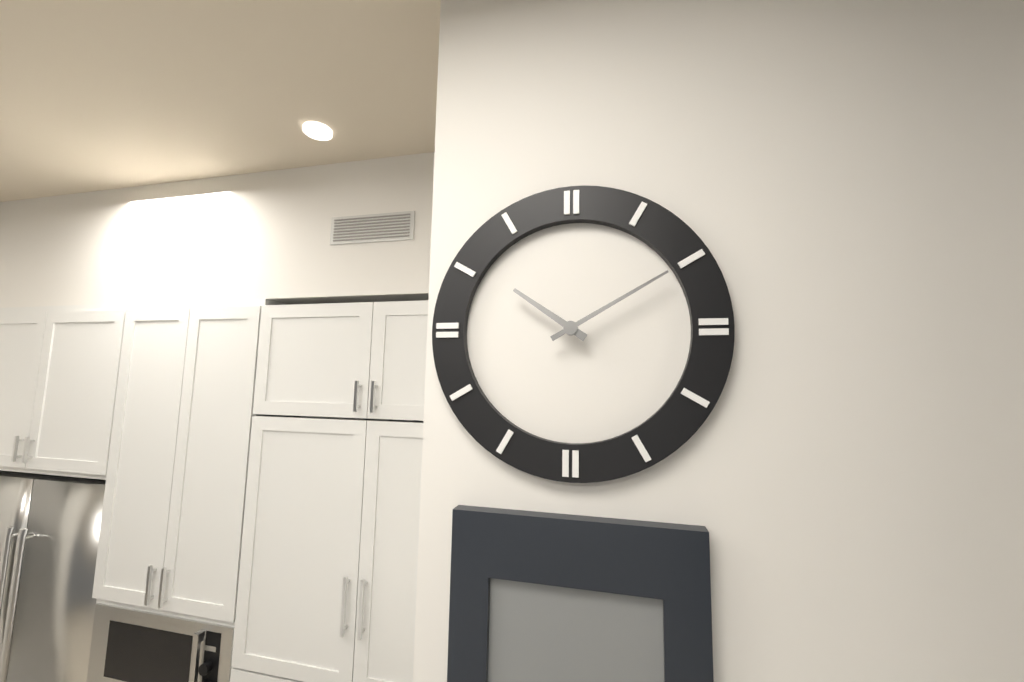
{"hour": 10, "minute": 10}
